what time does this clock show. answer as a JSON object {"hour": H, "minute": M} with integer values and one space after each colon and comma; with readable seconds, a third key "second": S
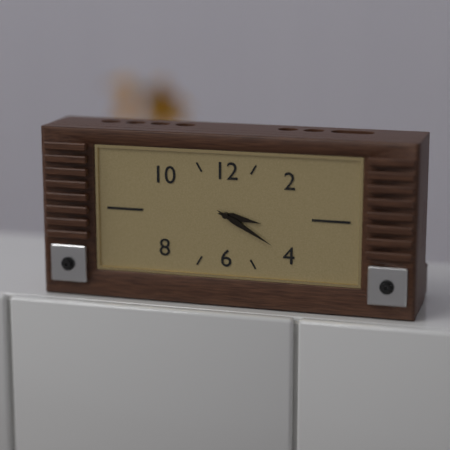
{"hour": 3, "minute": 20}
